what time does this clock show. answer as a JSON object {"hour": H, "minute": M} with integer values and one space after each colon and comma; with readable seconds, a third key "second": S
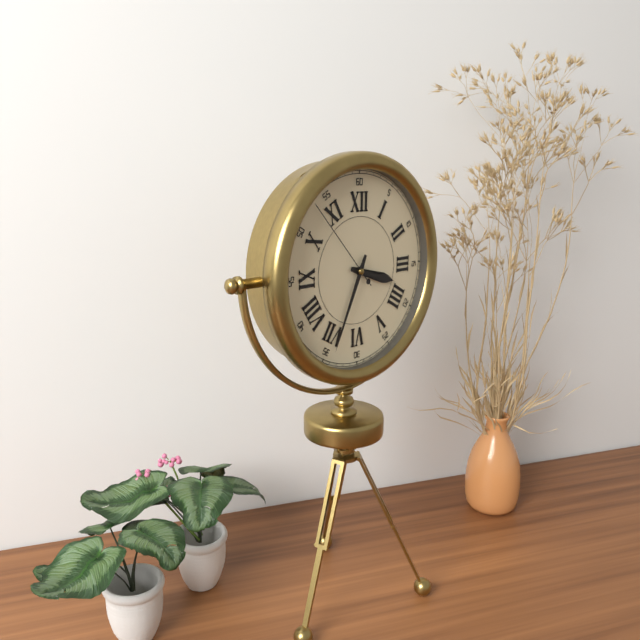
{"hour": 3, "minute": 34, "second": 53}
